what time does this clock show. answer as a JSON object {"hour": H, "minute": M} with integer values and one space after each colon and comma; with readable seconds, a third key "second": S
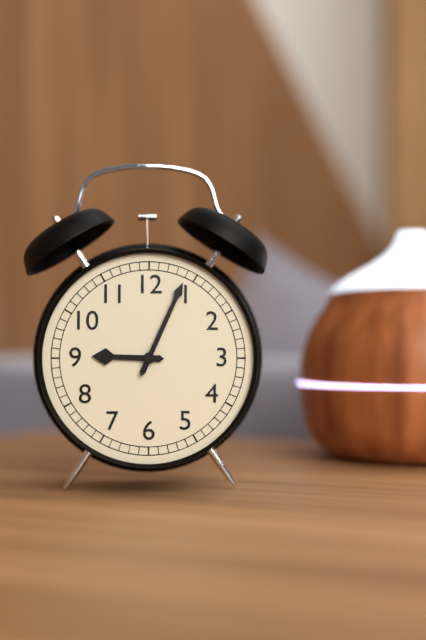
{"hour": 9, "minute": 4}
